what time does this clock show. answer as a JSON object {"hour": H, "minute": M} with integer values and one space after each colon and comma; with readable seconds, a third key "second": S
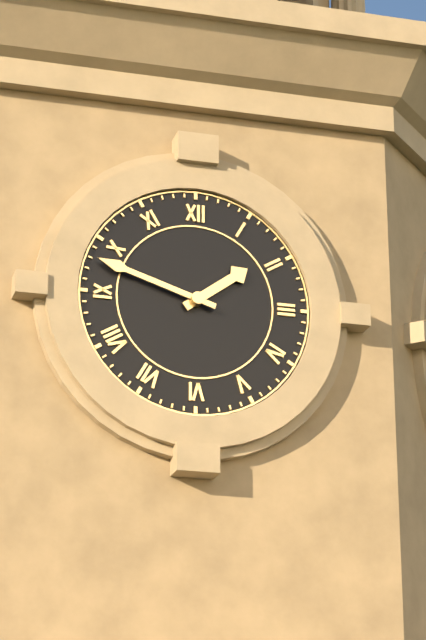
{"hour": 1, "minute": 48}
